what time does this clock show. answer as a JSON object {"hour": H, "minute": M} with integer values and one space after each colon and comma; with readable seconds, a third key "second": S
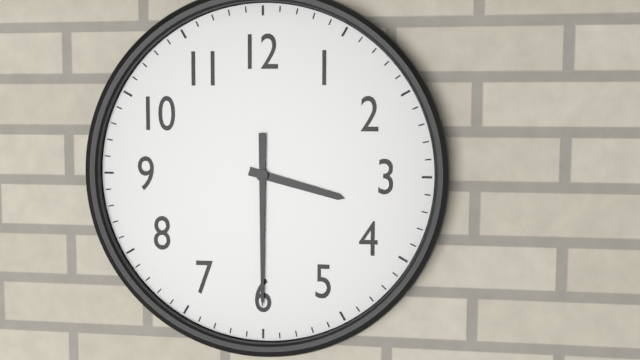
{"hour": 3, "minute": 30}
